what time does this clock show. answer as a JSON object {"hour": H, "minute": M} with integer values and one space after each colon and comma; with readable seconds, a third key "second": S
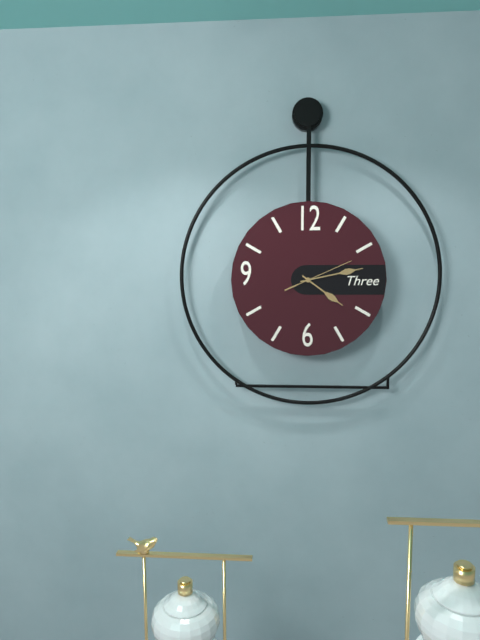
{"hour": 4, "minute": 13, "second": 11}
